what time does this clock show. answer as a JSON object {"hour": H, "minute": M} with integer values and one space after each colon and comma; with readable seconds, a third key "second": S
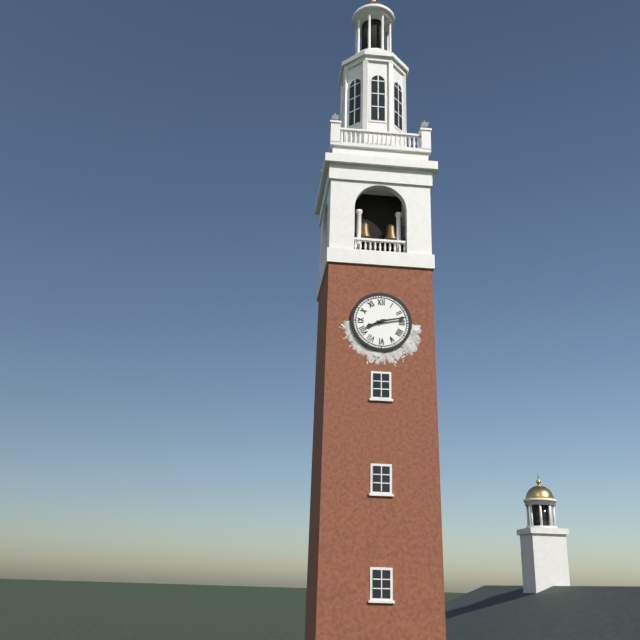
{"hour": 8, "minute": 13}
